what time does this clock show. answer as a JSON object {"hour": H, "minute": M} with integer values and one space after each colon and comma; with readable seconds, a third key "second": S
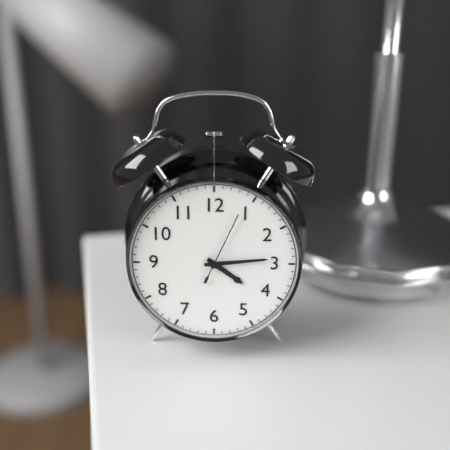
{"hour": 4, "minute": 14, "second": 4}
